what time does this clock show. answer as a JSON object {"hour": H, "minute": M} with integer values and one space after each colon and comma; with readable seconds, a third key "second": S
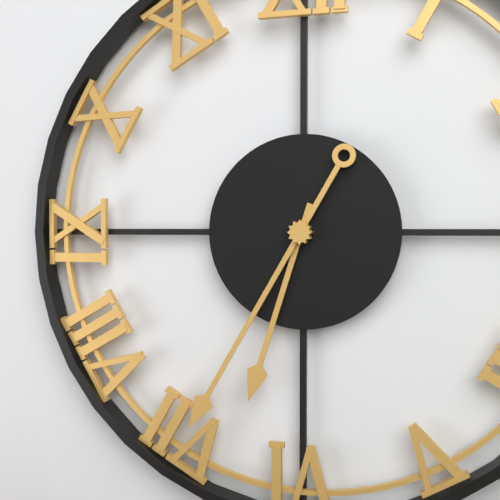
{"hour": 6, "minute": 35}
